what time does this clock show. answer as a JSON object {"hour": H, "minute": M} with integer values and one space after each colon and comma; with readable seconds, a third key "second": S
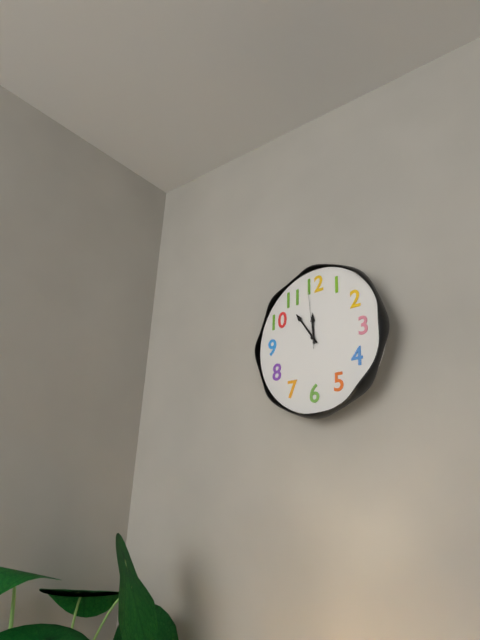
{"hour": 11, "minute": 54, "second": 59}
